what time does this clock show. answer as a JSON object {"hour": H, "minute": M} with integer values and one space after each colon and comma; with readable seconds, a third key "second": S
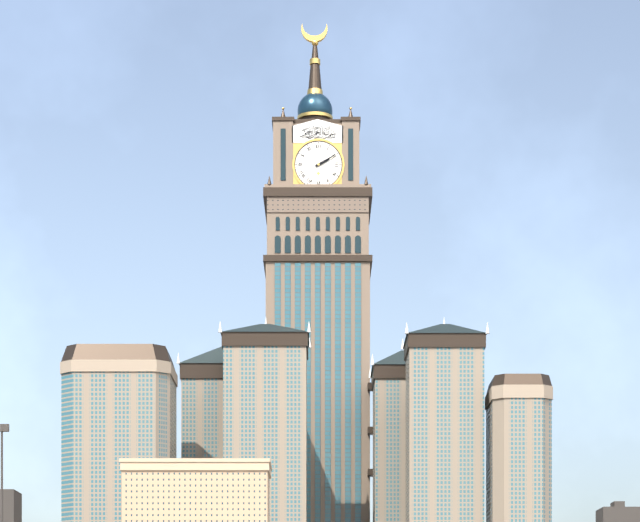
{"hour": 2, "minute": 10}
